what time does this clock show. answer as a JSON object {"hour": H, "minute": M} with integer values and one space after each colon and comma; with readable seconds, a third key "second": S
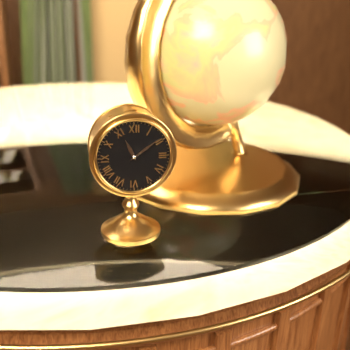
{"hour": 11, "minute": 9}
